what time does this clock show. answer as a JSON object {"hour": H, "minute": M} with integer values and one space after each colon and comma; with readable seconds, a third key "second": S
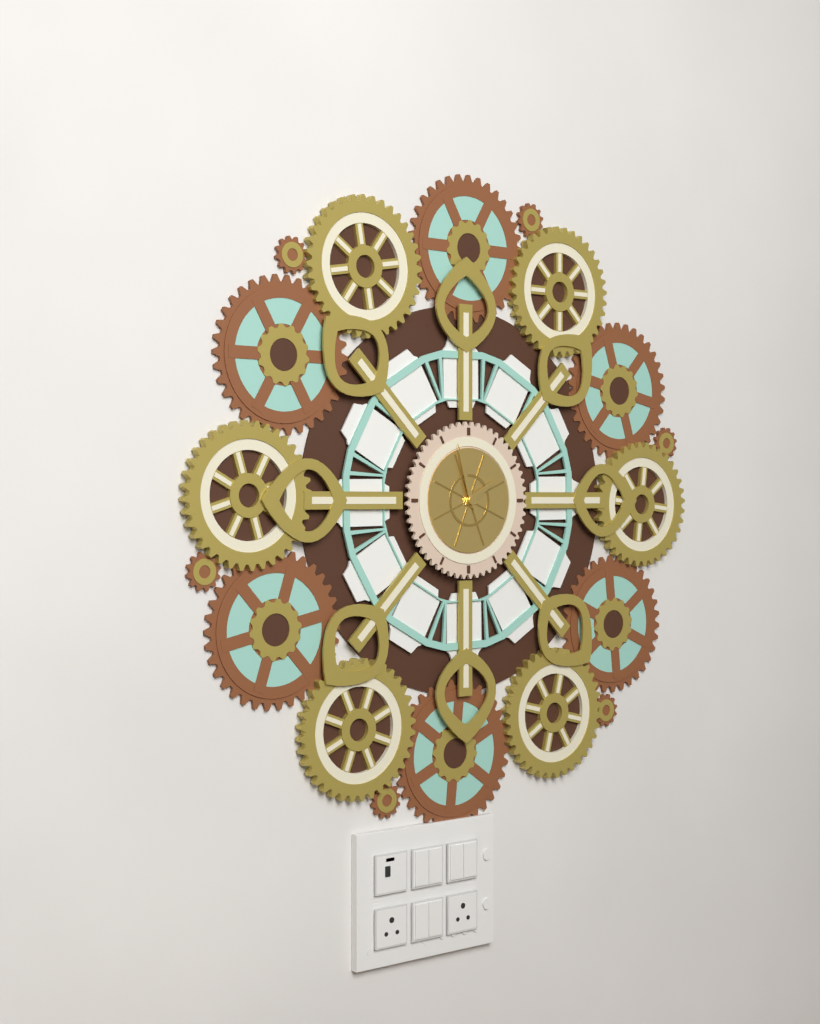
{"hour": 1, "minute": 57}
